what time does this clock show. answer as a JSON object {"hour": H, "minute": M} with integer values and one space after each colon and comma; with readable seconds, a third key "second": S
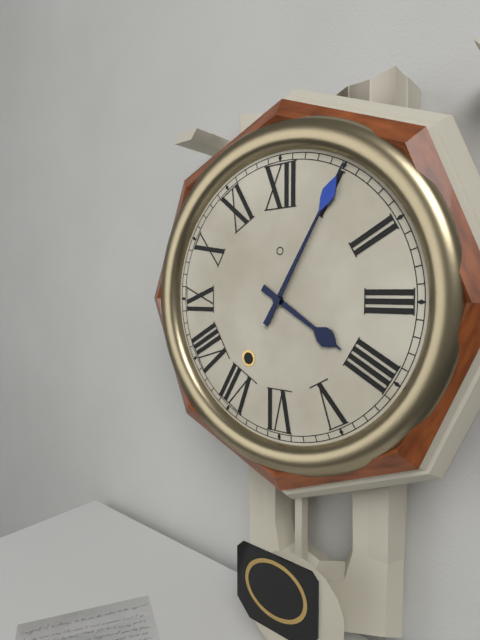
{"hour": 4, "minute": 5}
